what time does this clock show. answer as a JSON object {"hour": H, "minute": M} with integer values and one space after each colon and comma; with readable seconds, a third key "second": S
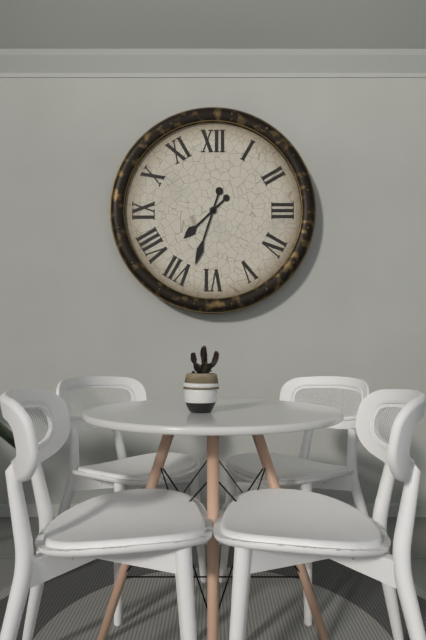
{"hour": 7, "minute": 33}
